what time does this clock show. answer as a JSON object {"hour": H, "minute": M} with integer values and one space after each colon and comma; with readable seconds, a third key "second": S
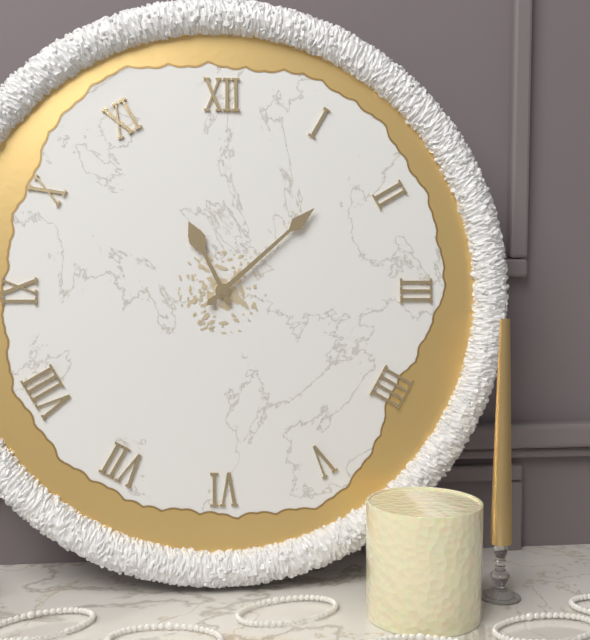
{"hour": 11, "minute": 8}
